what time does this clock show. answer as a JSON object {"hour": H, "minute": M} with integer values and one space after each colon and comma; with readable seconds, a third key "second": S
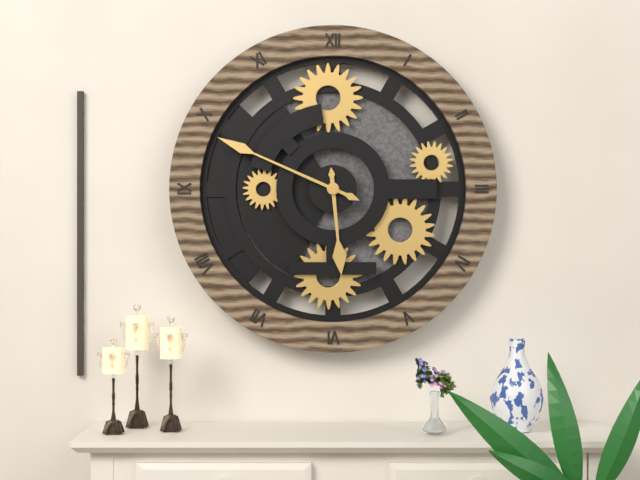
{"hour": 5, "minute": 49}
